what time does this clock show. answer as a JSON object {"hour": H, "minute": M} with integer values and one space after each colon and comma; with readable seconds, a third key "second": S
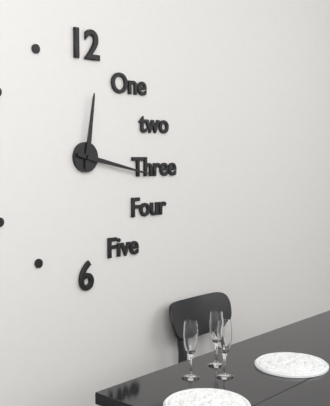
{"hour": 12, "minute": 17}
